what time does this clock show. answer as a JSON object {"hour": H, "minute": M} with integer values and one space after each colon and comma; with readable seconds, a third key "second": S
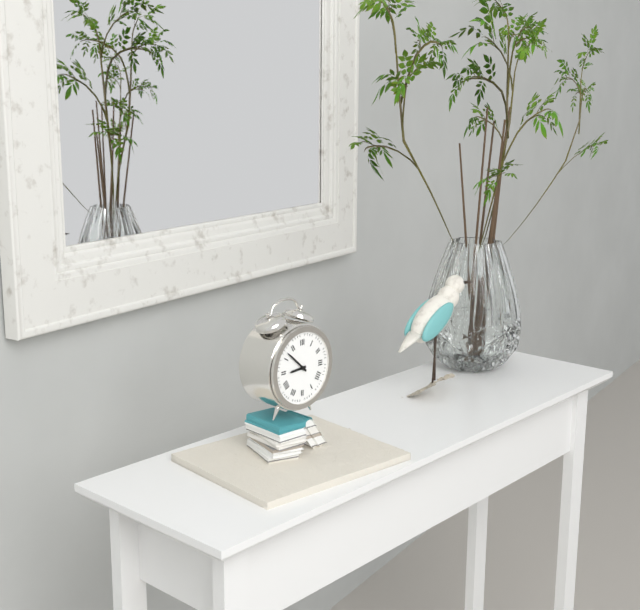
{"hour": 8, "minute": 52}
